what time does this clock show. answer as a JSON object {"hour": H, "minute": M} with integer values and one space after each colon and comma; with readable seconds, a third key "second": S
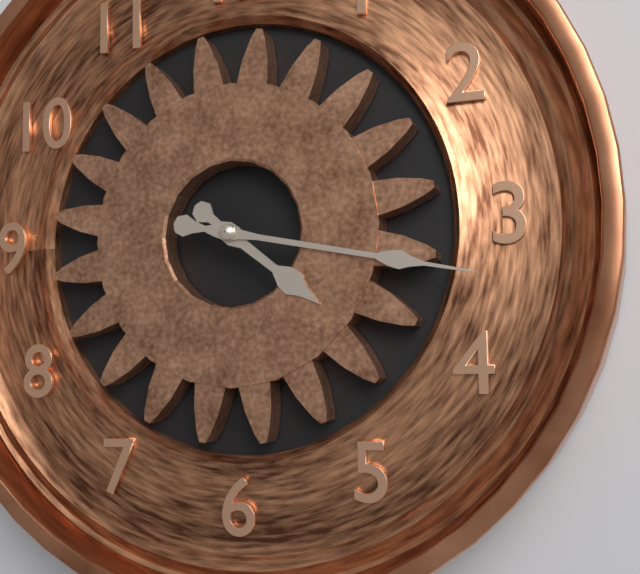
{"hour": 4, "minute": 17}
